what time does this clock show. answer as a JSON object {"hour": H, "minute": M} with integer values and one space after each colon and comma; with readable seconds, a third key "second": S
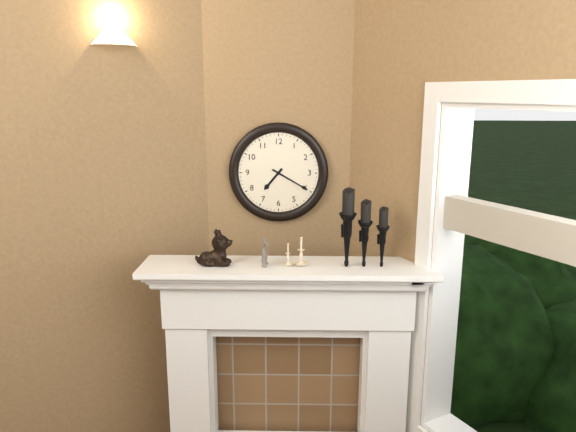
{"hour": 7, "minute": 20}
